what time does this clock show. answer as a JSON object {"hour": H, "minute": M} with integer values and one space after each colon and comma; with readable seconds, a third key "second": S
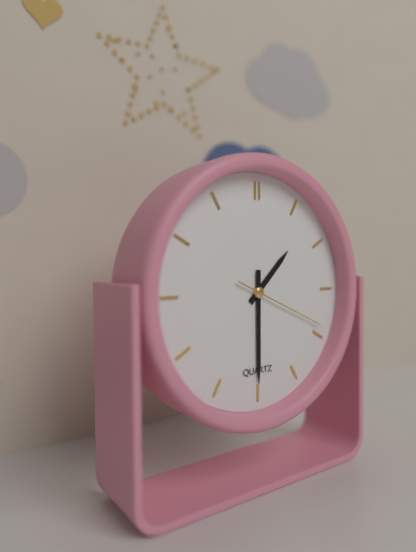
{"hour": 1, "minute": 30, "second": 19}
